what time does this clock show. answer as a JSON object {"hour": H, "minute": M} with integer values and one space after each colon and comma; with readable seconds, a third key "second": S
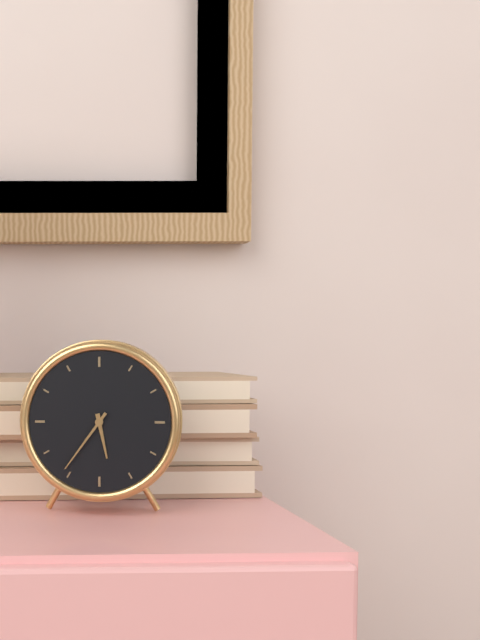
{"hour": 5, "minute": 36}
